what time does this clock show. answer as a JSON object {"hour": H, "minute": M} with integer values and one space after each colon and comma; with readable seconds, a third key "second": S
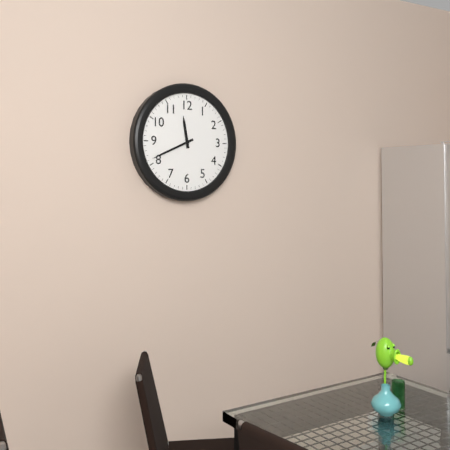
{"hour": 11, "minute": 41}
